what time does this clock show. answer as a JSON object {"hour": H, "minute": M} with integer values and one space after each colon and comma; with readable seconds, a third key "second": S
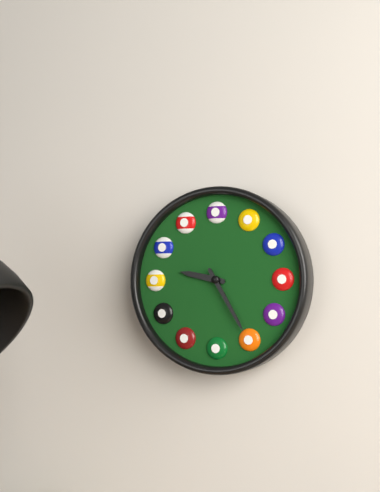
{"hour": 9, "minute": 25}
